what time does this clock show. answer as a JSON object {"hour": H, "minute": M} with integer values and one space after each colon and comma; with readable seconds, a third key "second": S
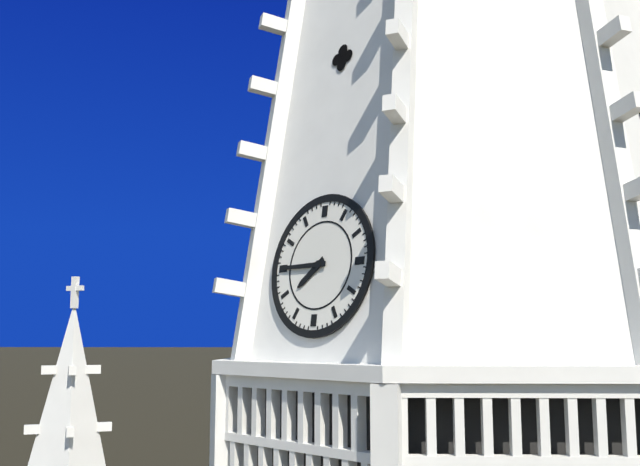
{"hour": 7, "minute": 45}
